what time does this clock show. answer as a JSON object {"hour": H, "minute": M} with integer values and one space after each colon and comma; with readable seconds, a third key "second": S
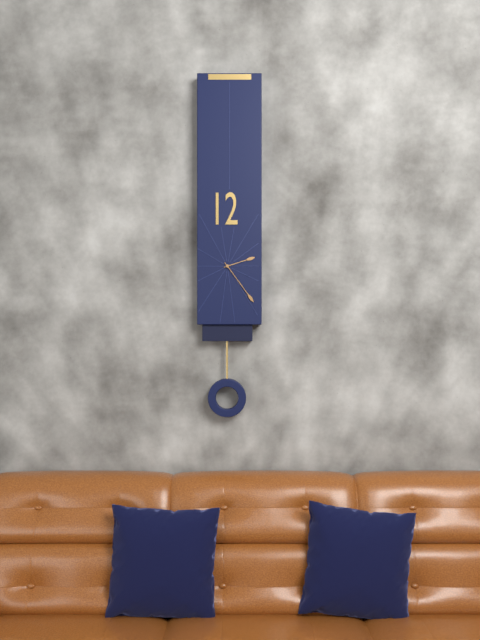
{"hour": 2, "minute": 24}
